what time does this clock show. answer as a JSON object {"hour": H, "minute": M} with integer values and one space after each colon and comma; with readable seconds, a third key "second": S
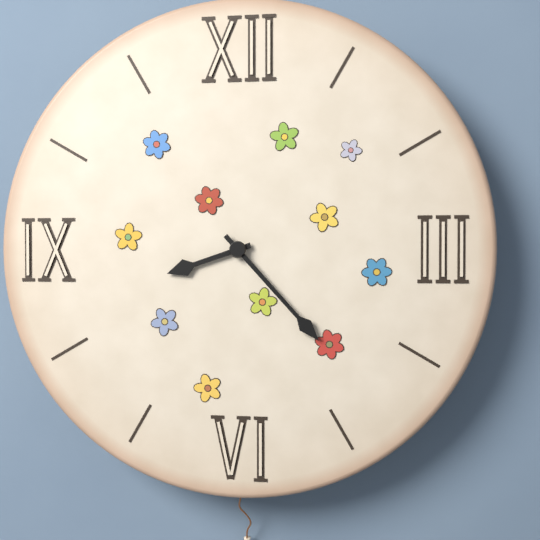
{"hour": 8, "minute": 23}
